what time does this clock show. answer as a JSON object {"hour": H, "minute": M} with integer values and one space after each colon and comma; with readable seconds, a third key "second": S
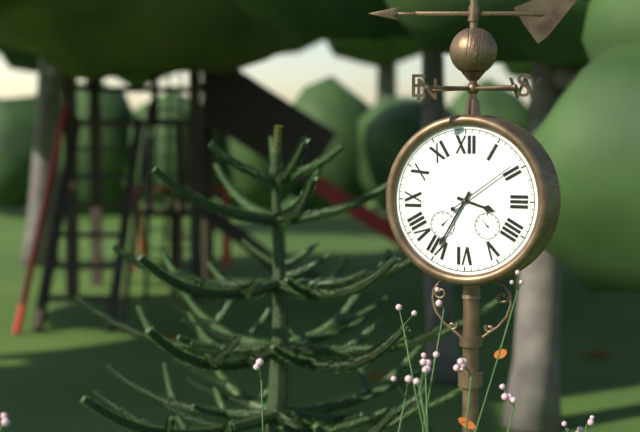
{"hour": 3, "minute": 35, "second": 9}
